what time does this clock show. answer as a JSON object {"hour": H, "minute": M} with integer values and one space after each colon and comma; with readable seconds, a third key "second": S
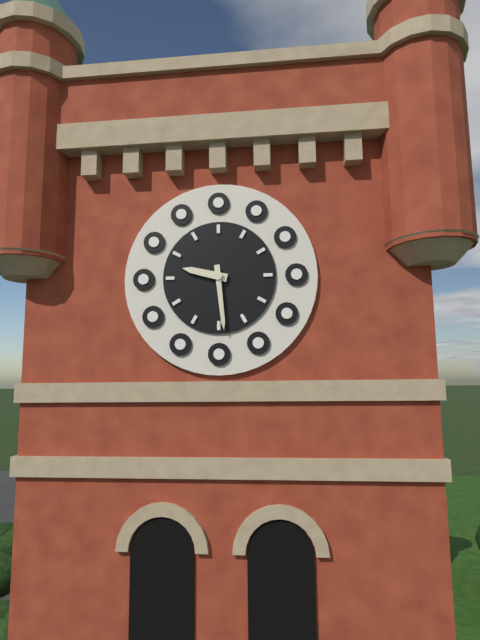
{"hour": 9, "minute": 29}
